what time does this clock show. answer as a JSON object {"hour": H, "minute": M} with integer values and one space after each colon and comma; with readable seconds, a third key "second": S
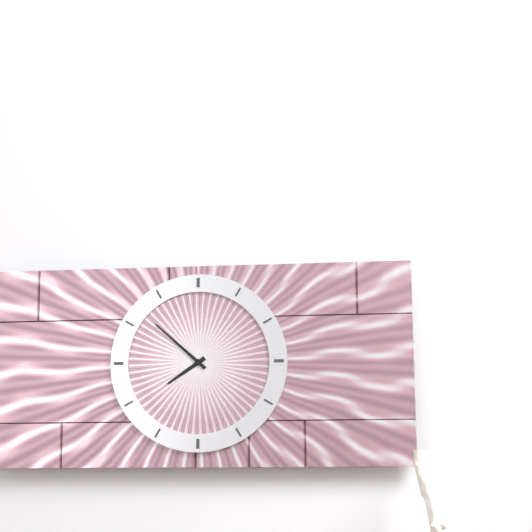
{"hour": 7, "minute": 52}
